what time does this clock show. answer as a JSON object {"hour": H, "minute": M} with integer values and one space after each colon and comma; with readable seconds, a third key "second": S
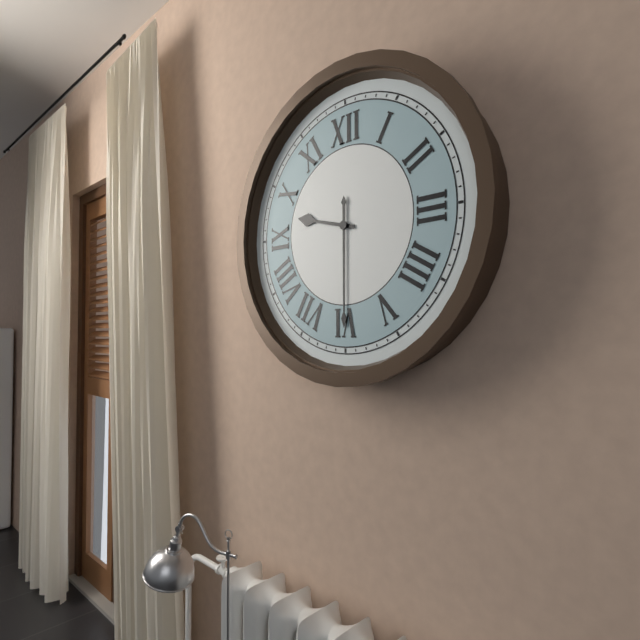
{"hour": 9, "minute": 30}
